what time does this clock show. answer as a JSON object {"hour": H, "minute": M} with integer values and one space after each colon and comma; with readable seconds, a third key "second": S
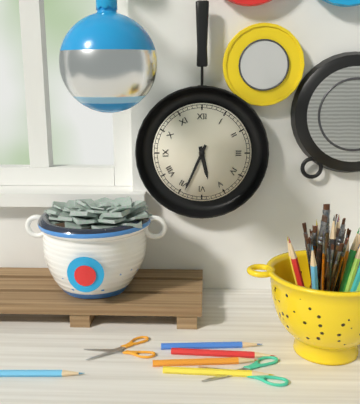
{"hour": 5, "minute": 34}
